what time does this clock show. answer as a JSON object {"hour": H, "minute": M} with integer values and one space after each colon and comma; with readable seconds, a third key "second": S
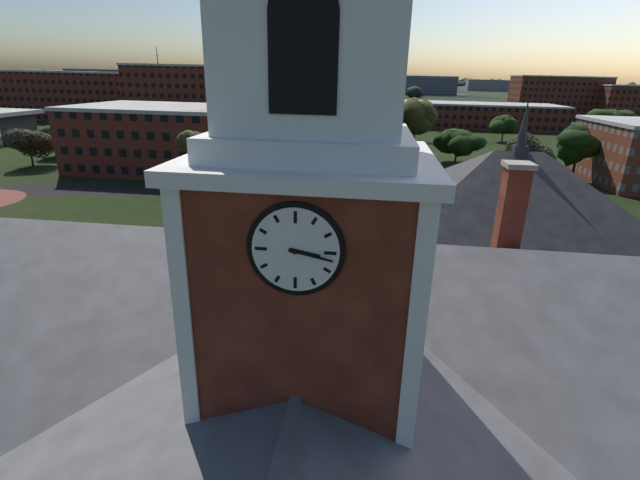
{"hour": 3, "minute": 17}
